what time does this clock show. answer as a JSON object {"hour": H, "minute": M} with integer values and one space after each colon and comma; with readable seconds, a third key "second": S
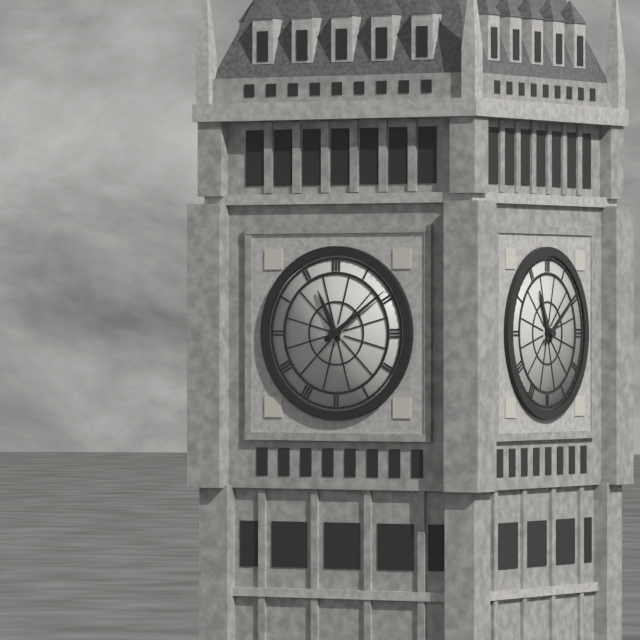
{"hour": 11, "minute": 9}
